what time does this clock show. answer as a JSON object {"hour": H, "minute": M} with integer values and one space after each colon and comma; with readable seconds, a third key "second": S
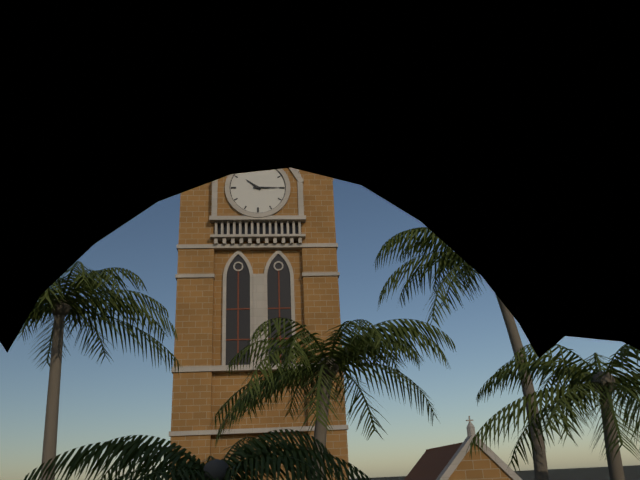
{"hour": 10, "minute": 15}
